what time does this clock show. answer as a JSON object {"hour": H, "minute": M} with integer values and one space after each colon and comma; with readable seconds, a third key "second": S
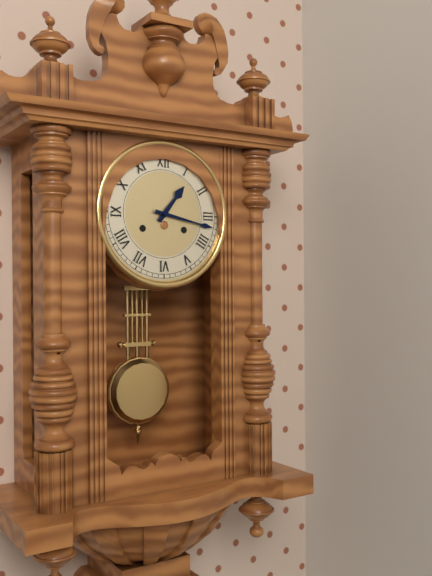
{"hour": 1, "minute": 17}
